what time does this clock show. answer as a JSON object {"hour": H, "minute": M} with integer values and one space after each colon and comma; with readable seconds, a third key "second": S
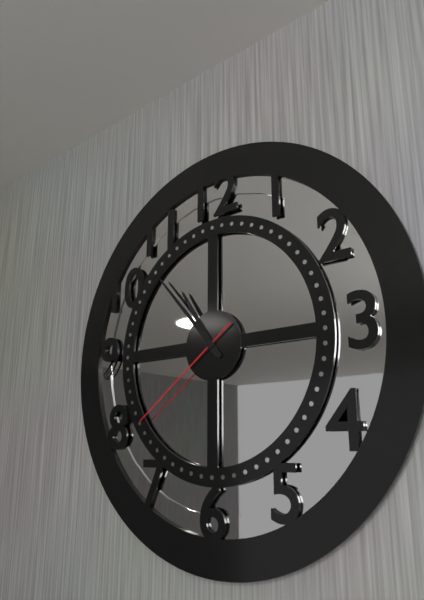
{"hour": 10, "minute": 53, "second": 39}
